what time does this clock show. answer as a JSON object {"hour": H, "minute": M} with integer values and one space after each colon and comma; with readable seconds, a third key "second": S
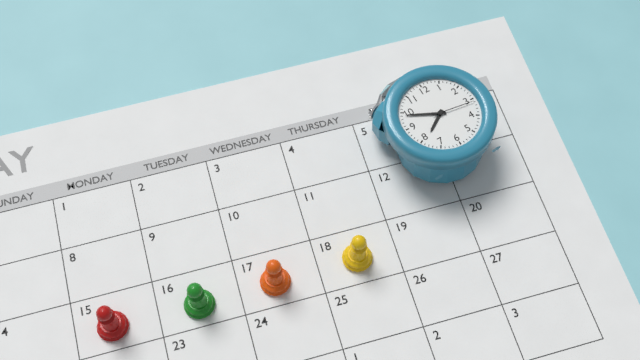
{"hour": 7, "minute": 49}
